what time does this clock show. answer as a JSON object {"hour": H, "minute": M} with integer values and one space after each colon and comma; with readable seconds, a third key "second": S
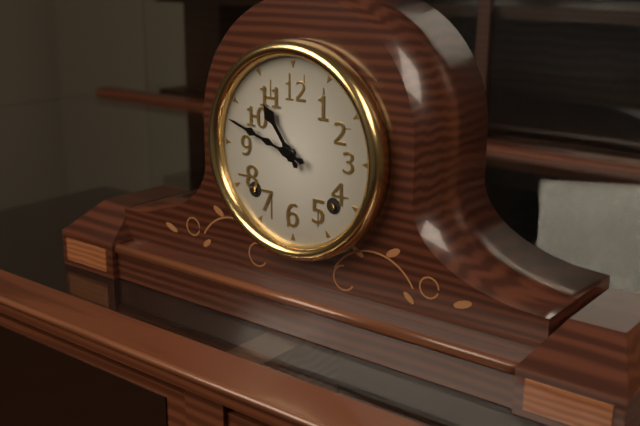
{"hour": 10, "minute": 48}
